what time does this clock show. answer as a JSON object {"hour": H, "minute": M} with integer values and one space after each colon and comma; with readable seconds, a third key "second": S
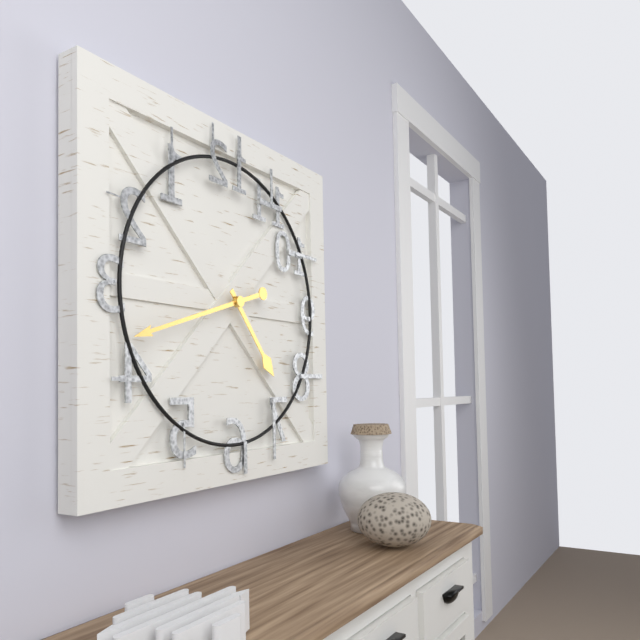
{"hour": 4, "minute": 42}
